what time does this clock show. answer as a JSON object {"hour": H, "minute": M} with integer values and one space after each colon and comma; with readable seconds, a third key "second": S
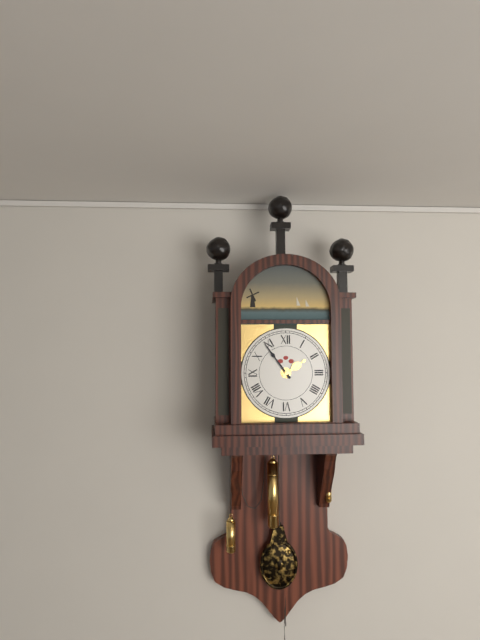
{"hour": 1, "minute": 54}
